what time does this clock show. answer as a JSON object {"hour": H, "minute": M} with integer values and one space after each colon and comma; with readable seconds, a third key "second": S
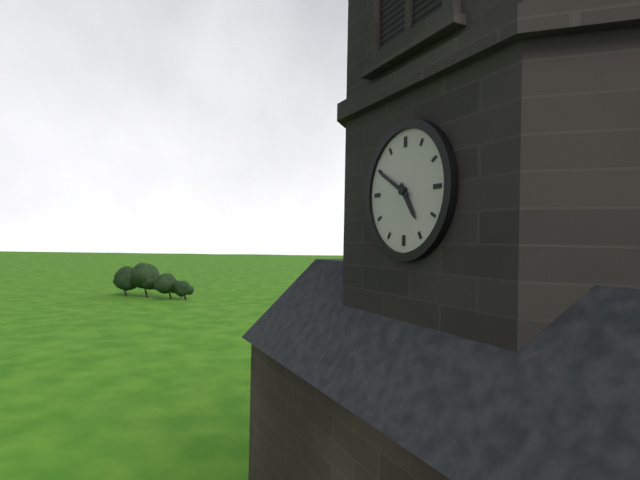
{"hour": 4, "minute": 50}
